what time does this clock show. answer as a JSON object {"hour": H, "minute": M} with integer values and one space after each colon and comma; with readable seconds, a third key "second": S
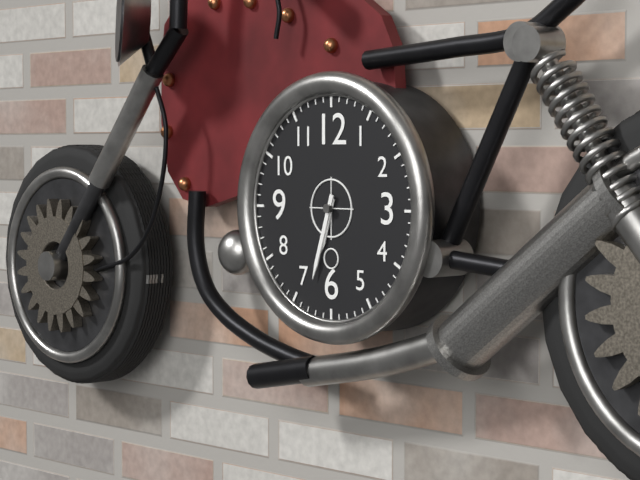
{"hour": 6, "minute": 33}
